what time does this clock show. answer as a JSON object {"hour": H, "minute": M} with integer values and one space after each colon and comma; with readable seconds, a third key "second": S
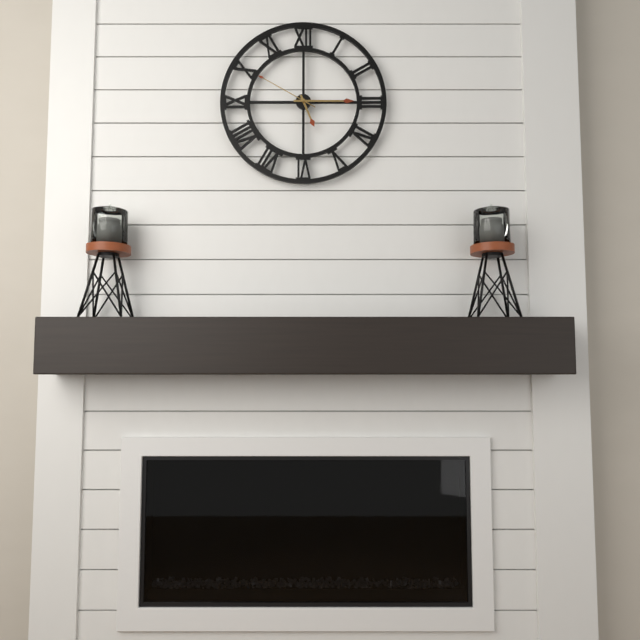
{"hour": 5, "minute": 15, "second": 50}
